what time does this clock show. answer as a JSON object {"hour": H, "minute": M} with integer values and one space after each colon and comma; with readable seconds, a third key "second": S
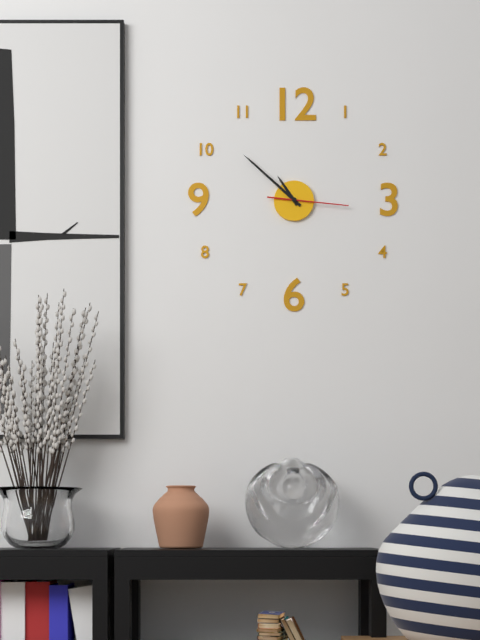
{"hour": 10, "minute": 52, "second": 16}
